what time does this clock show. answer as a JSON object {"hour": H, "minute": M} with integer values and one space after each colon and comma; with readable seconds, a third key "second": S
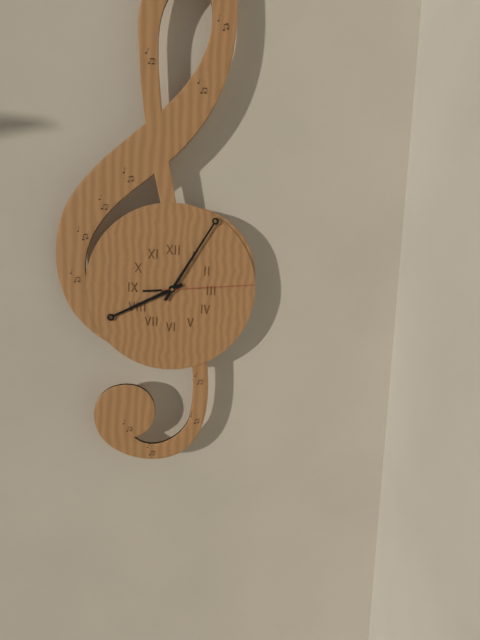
{"hour": 8, "minute": 5, "second": 14}
